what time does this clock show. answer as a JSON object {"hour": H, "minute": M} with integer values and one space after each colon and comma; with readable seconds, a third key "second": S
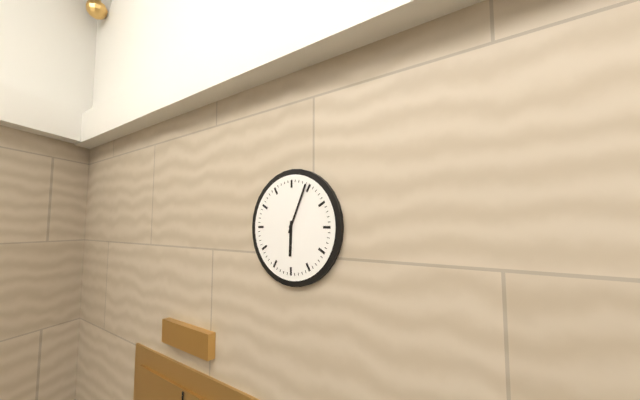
{"hour": 6, "minute": 4}
